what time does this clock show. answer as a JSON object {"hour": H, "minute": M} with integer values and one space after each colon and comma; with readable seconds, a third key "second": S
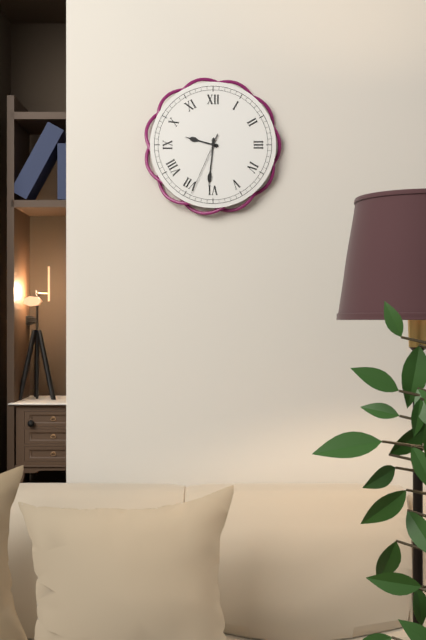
{"hour": 9, "minute": 31, "second": 34}
